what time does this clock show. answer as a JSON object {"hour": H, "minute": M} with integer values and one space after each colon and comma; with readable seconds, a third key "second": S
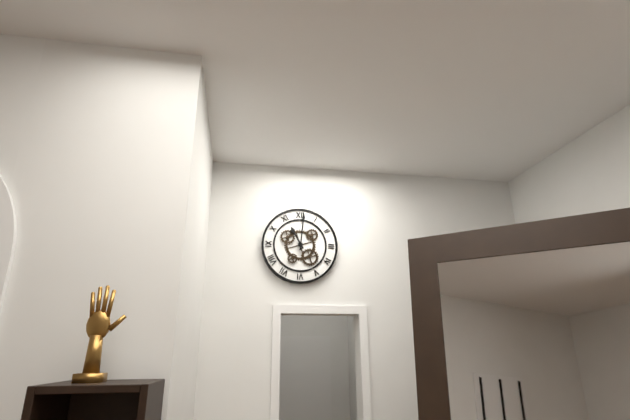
{"hour": 11, "minute": 1}
